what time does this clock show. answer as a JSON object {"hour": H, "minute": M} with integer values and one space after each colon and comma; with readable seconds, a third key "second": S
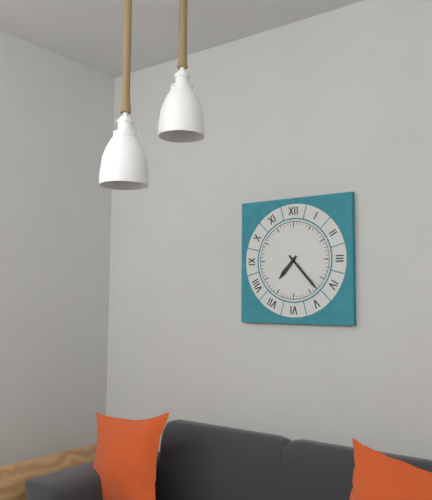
{"hour": 7, "minute": 23}
